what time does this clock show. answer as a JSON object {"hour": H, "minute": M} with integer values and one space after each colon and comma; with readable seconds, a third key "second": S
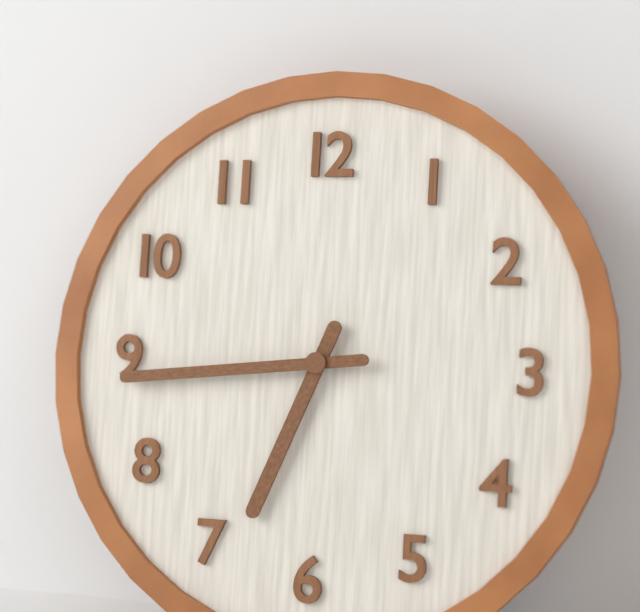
{"hour": 6, "minute": 44}
